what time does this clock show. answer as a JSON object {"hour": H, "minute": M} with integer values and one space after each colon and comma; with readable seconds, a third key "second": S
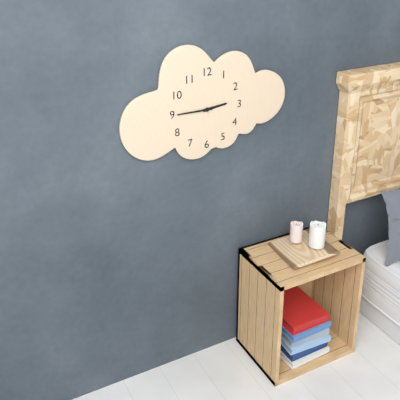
{"hour": 2, "minute": 45}
